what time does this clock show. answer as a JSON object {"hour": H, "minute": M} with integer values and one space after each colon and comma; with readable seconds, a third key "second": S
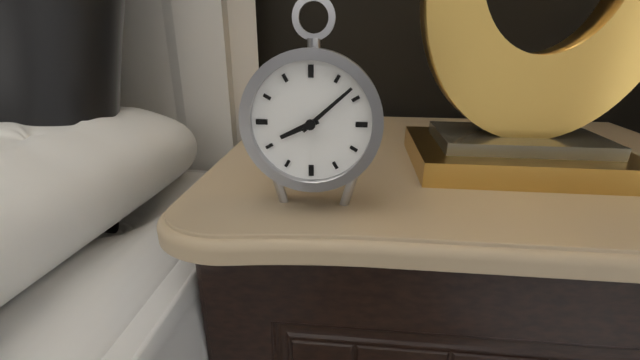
{"hour": 8, "minute": 8}
